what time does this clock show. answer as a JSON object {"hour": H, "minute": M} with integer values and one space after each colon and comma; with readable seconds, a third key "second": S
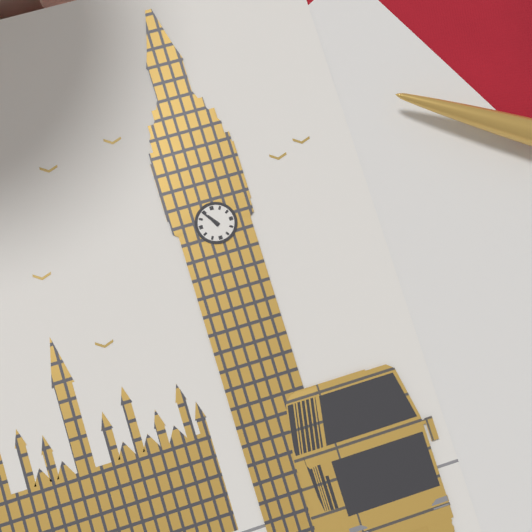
{"hour": 10, "minute": 54}
